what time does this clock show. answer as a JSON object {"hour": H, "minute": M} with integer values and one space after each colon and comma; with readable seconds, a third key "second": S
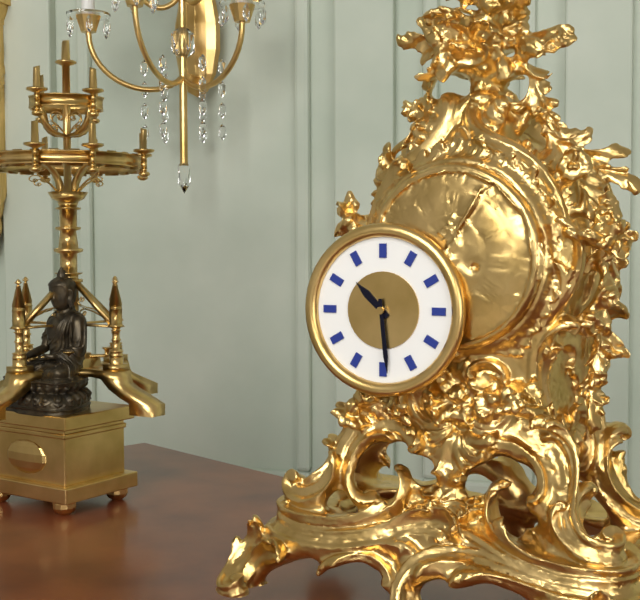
{"hour": 10, "minute": 29}
